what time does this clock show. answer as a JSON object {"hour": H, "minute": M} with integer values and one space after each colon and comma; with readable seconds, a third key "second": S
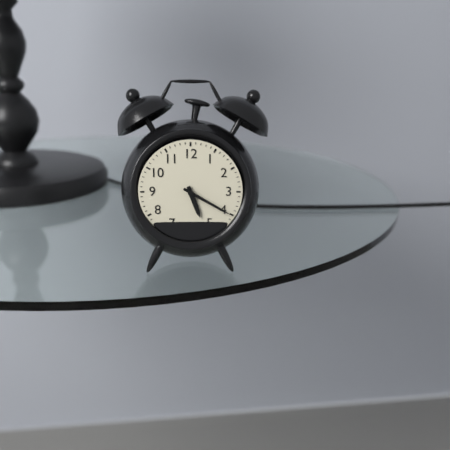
{"hour": 5, "minute": 20}
